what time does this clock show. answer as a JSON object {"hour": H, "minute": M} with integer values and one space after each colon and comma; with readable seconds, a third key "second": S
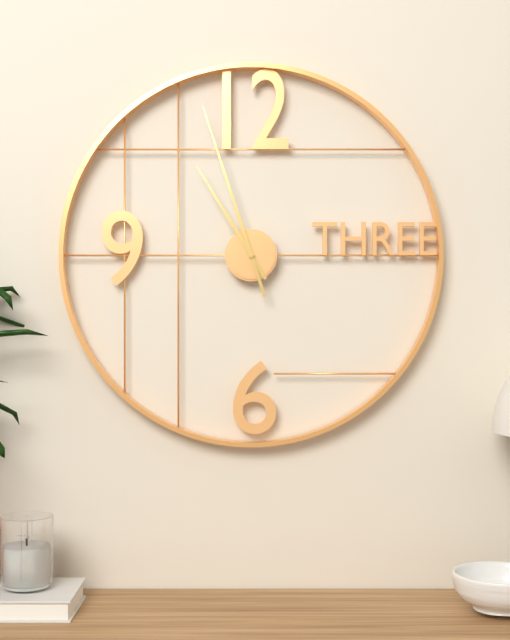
{"hour": 10, "minute": 57}
